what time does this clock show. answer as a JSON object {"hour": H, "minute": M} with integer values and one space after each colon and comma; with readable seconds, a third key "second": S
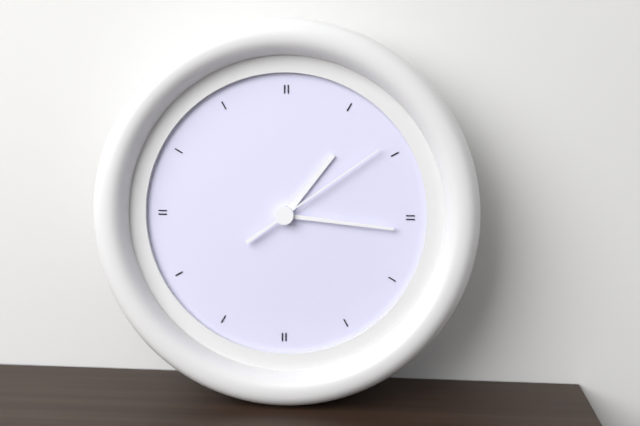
{"hour": 1, "minute": 16, "second": 9}
